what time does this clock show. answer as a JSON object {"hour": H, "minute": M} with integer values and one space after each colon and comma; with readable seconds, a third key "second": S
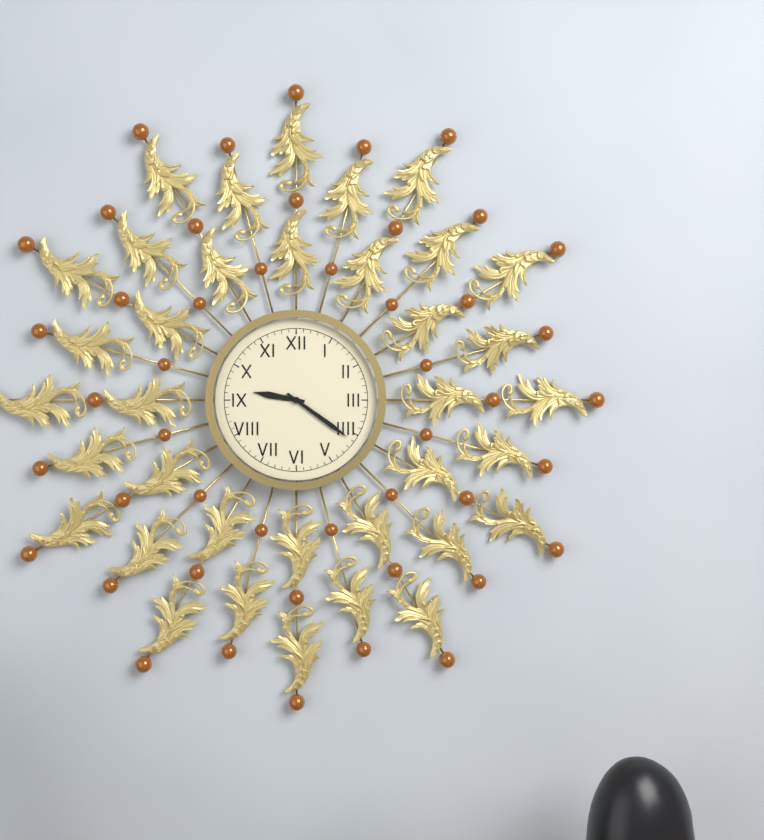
{"hour": 9, "minute": 21}
